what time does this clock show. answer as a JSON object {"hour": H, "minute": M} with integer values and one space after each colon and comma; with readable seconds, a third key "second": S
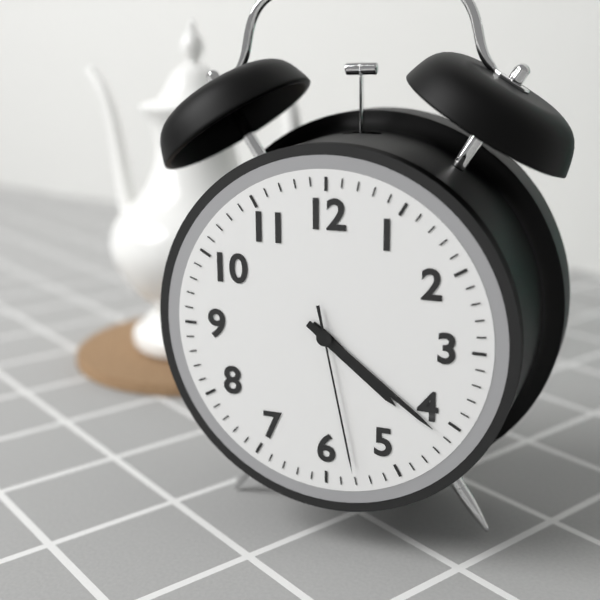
{"hour": 4, "minute": 21, "second": 28}
